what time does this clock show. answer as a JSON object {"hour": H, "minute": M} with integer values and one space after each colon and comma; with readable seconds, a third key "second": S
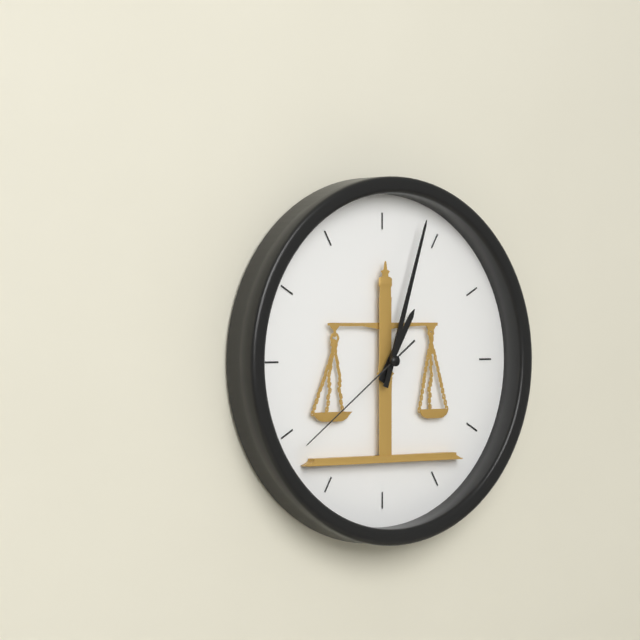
{"hour": 1, "minute": 3, "second": 39}
